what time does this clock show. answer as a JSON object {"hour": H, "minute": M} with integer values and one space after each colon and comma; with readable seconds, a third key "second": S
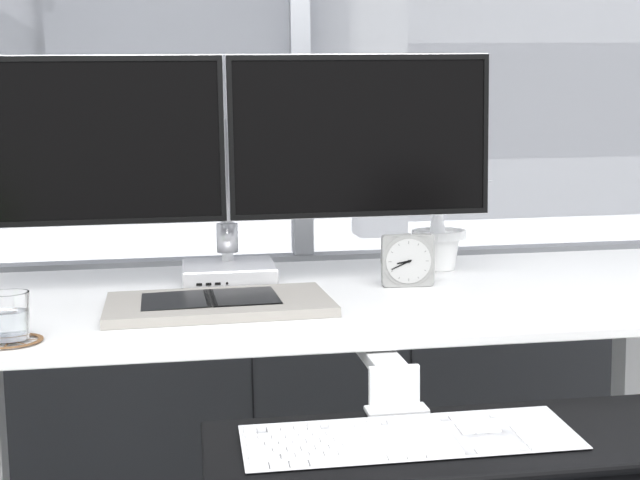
{"hour": 8, "minute": 41}
